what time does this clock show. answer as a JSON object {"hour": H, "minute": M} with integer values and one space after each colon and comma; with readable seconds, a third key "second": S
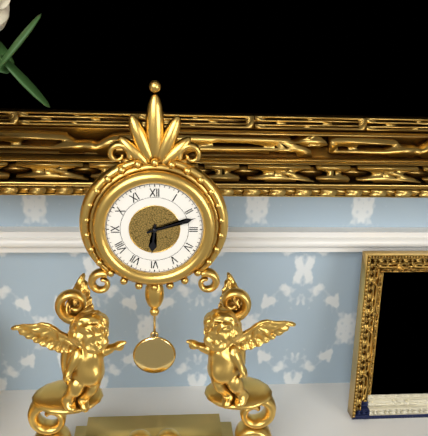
{"hour": 6, "minute": 12}
